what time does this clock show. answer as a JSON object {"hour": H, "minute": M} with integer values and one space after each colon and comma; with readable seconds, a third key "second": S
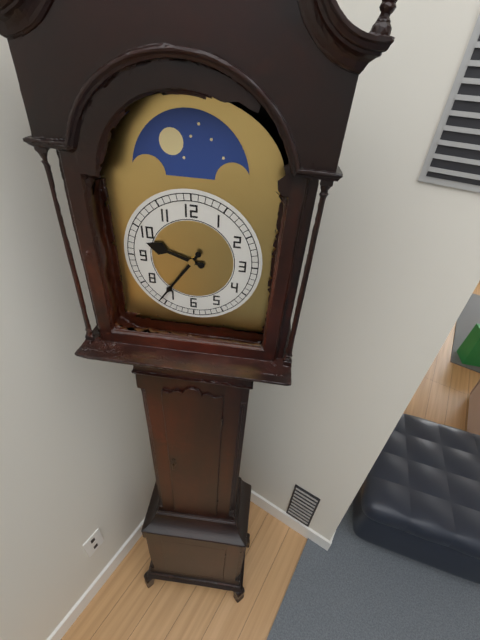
{"hour": 9, "minute": 36}
